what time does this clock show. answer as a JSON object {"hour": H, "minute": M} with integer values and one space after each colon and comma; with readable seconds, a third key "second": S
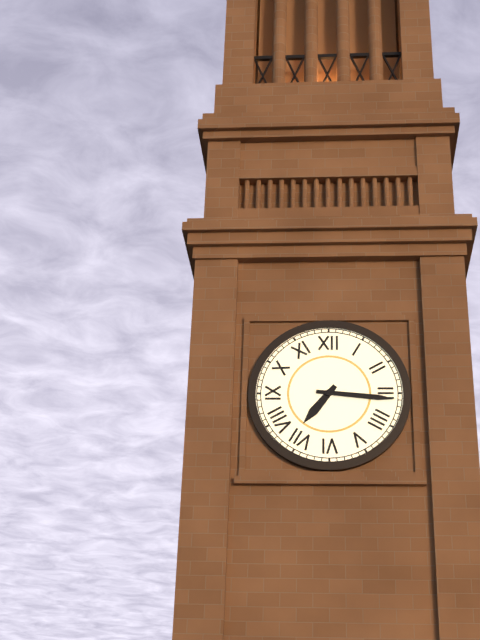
{"hour": 7, "minute": 16}
